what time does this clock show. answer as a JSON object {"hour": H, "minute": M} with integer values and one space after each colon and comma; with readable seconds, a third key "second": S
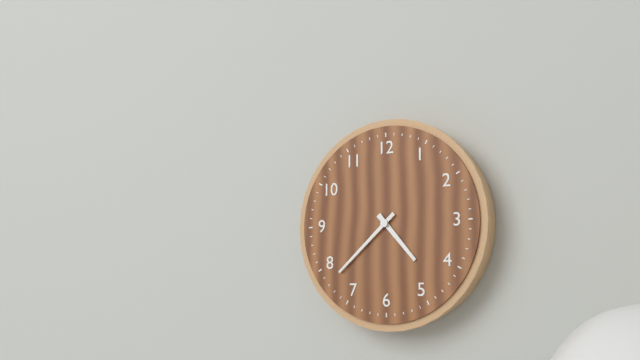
{"hour": 4, "minute": 38}
